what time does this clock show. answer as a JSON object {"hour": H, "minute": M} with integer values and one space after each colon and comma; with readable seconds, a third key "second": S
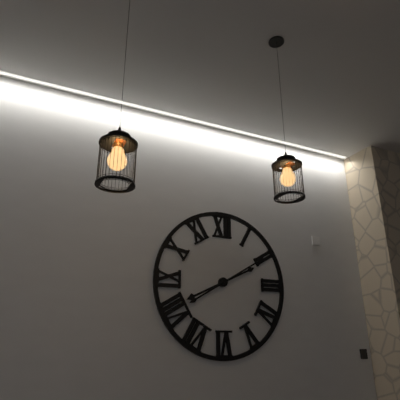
{"hour": 8, "minute": 10}
